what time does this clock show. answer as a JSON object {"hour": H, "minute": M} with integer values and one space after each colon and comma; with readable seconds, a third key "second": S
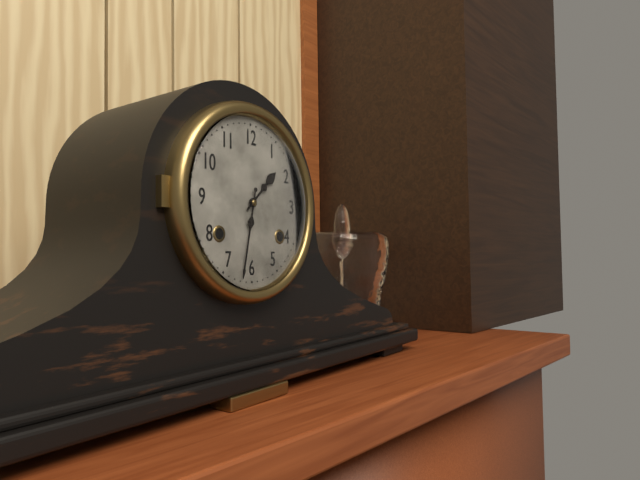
{"hour": 1, "minute": 32}
